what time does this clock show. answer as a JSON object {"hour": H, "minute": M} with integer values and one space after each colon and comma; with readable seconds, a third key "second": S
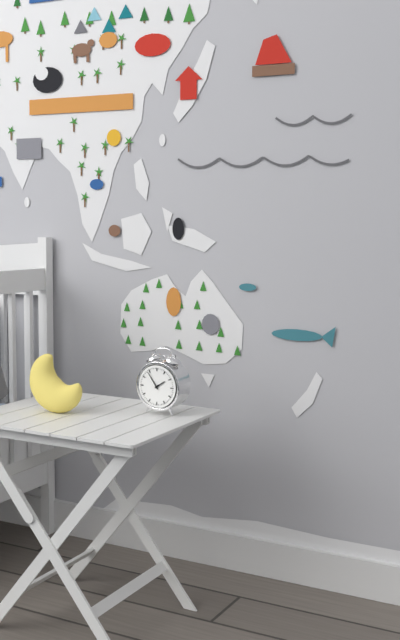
{"hour": 1, "minute": 54}
